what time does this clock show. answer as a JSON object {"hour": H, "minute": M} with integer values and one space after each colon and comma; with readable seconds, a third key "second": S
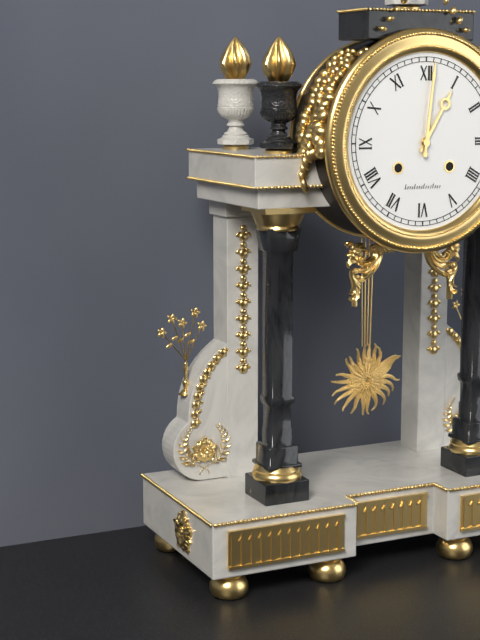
{"hour": 1, "minute": 1}
